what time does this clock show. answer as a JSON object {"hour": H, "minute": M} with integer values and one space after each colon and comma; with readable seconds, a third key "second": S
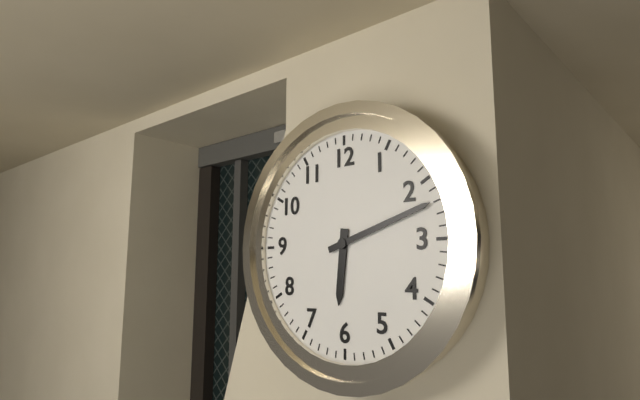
{"hour": 6, "minute": 12}
